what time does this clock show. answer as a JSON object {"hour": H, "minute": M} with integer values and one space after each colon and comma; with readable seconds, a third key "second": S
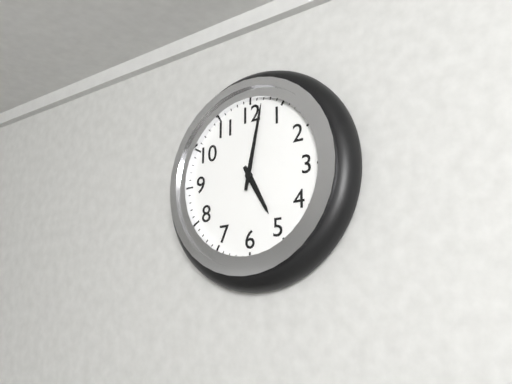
{"hour": 5, "minute": 2}
